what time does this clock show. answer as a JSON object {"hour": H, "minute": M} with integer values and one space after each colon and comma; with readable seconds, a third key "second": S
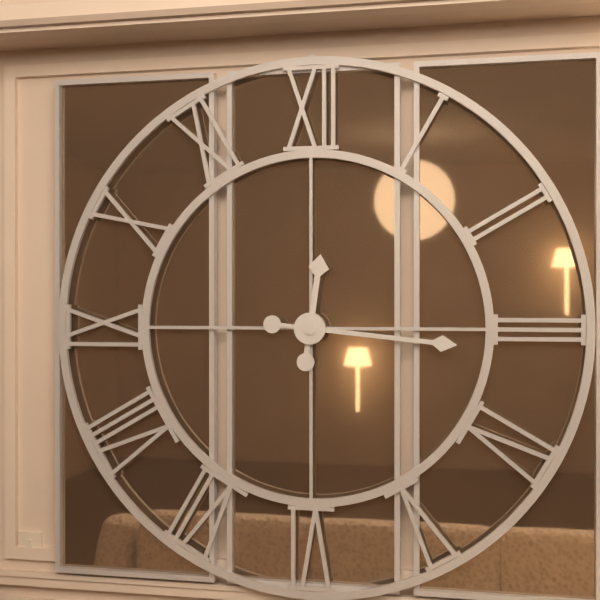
{"hour": 12, "minute": 16}
